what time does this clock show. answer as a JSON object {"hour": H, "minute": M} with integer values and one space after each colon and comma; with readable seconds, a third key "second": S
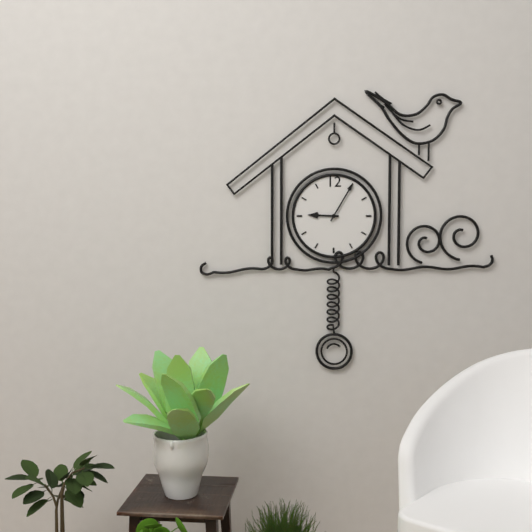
{"hour": 9, "minute": 5}
